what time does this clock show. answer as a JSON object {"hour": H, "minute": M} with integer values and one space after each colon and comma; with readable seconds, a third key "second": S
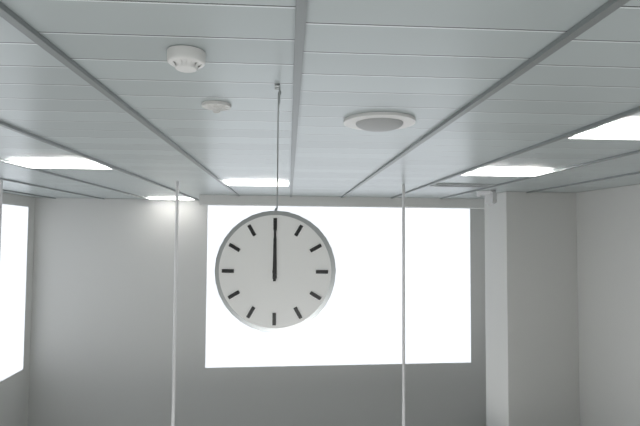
{"hour": 12, "minute": 0}
